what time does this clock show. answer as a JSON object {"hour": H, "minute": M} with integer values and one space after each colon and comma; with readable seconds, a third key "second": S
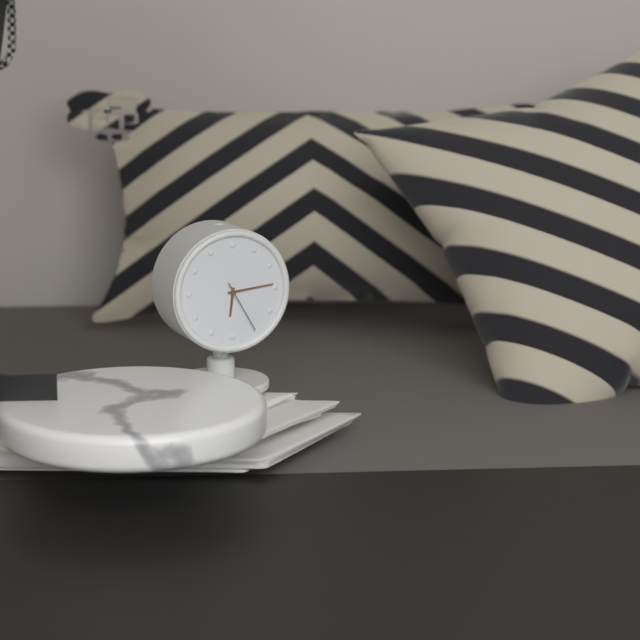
{"hour": 6, "minute": 14, "second": 25}
